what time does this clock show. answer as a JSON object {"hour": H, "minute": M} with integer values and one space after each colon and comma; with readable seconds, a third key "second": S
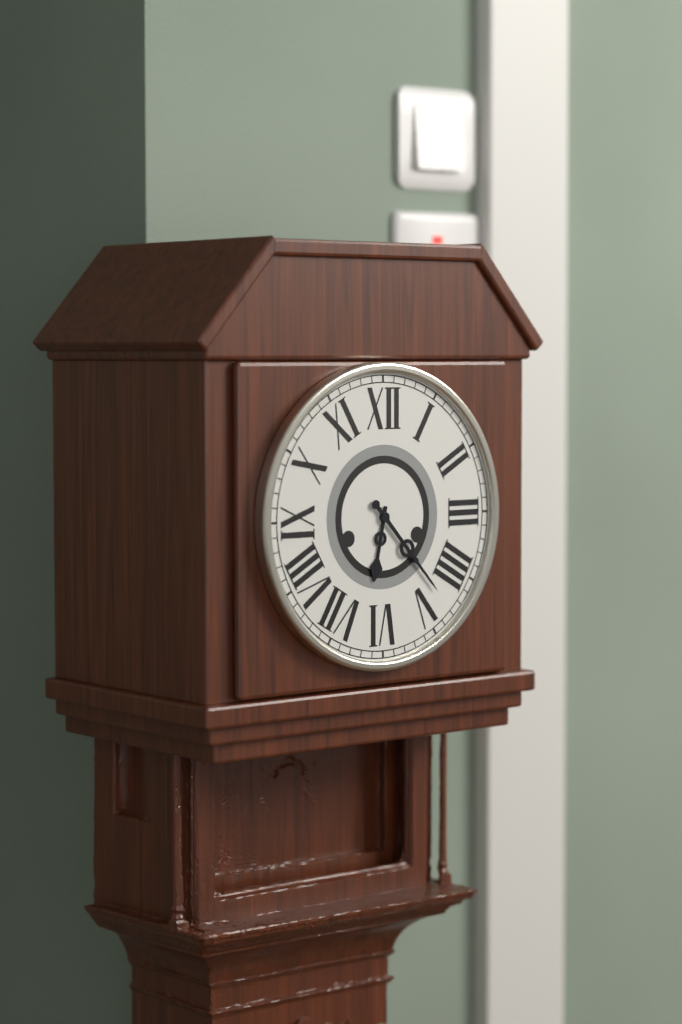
{"hour": 6, "minute": 23}
